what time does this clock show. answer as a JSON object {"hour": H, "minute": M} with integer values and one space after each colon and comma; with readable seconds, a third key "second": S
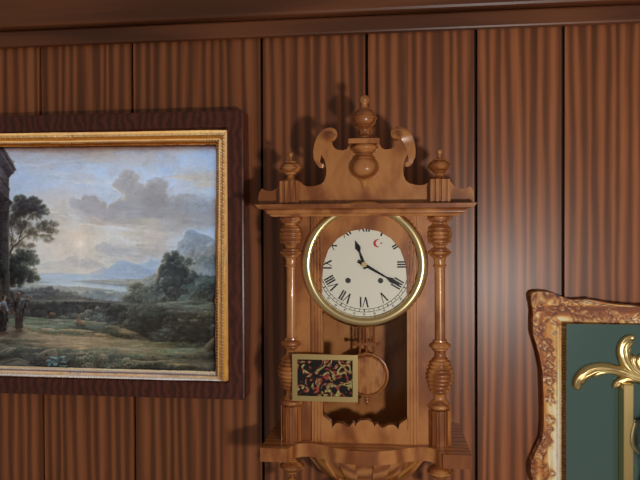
{"hour": 11, "minute": 20}
